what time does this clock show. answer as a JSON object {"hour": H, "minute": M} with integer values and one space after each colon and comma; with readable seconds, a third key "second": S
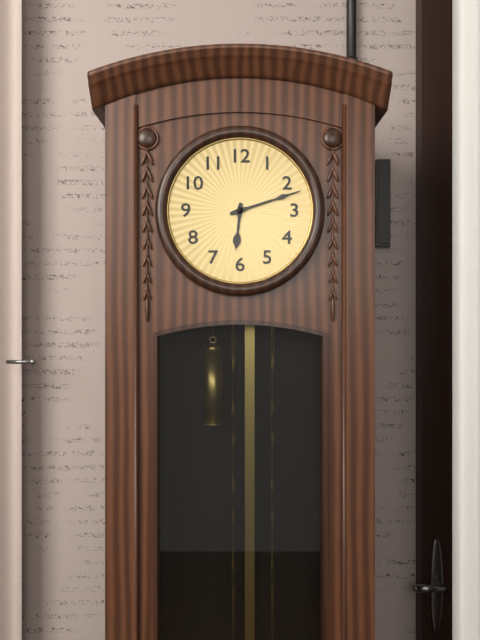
{"hour": 6, "minute": 12}
